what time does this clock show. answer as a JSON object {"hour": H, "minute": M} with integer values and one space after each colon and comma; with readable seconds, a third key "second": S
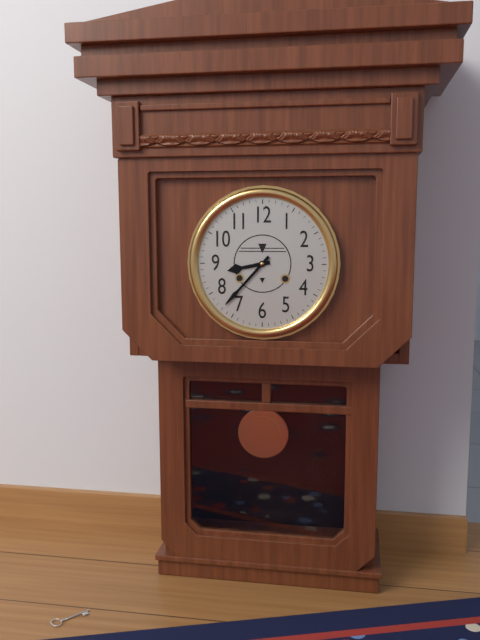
{"hour": 8, "minute": 37}
